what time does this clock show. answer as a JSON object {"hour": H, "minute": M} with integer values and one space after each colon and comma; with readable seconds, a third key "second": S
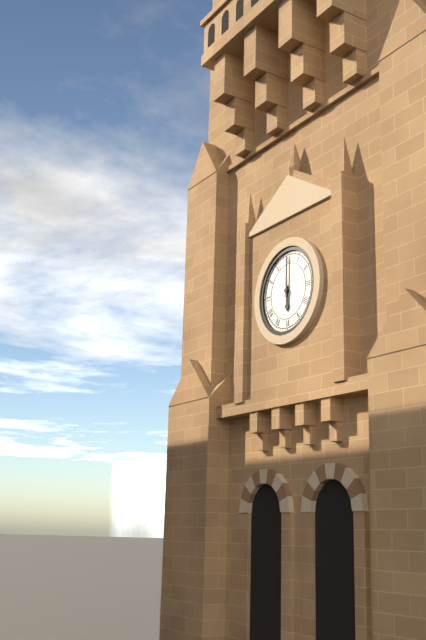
{"hour": 6, "minute": 0}
